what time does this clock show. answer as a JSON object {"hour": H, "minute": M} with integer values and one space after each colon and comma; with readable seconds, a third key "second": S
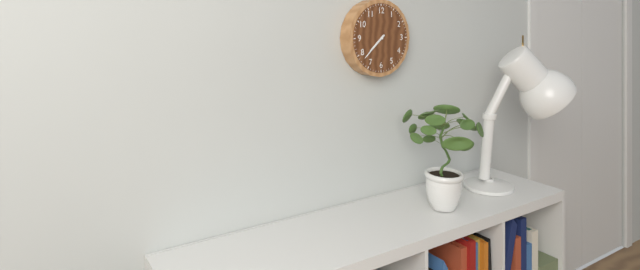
{"hour": 7, "minute": 38}
